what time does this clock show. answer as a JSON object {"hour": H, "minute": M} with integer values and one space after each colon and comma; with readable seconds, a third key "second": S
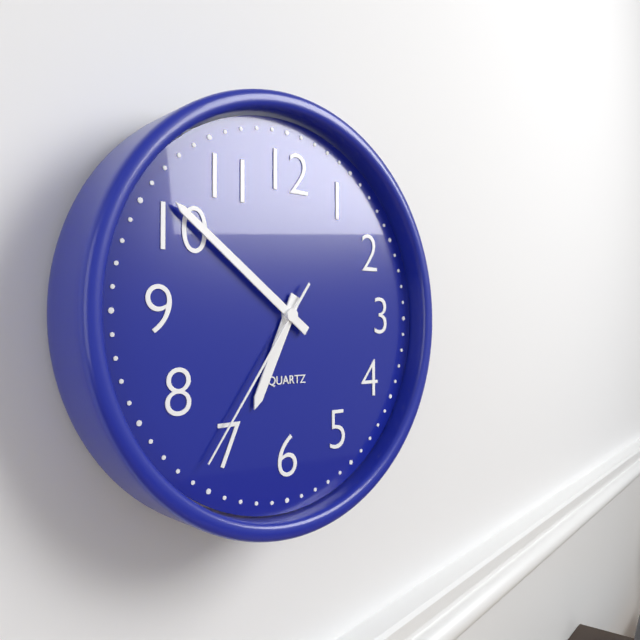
{"hour": 6, "minute": 51, "second": 36}
